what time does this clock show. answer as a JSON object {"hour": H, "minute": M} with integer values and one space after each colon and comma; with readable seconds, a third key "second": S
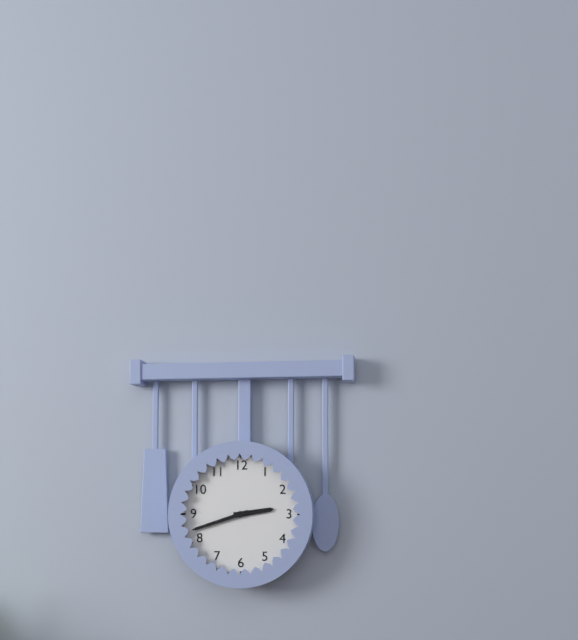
{"hour": 2, "minute": 42}
